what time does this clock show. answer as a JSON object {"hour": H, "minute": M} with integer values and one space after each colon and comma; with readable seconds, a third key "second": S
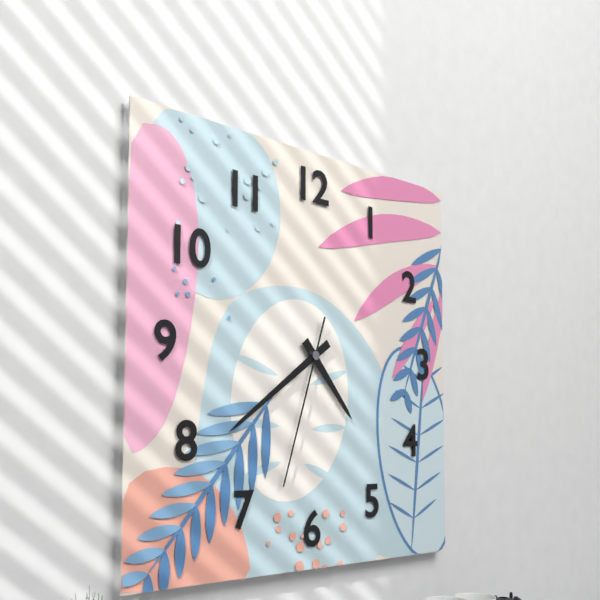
{"hour": 4, "minute": 39, "second": 33}
